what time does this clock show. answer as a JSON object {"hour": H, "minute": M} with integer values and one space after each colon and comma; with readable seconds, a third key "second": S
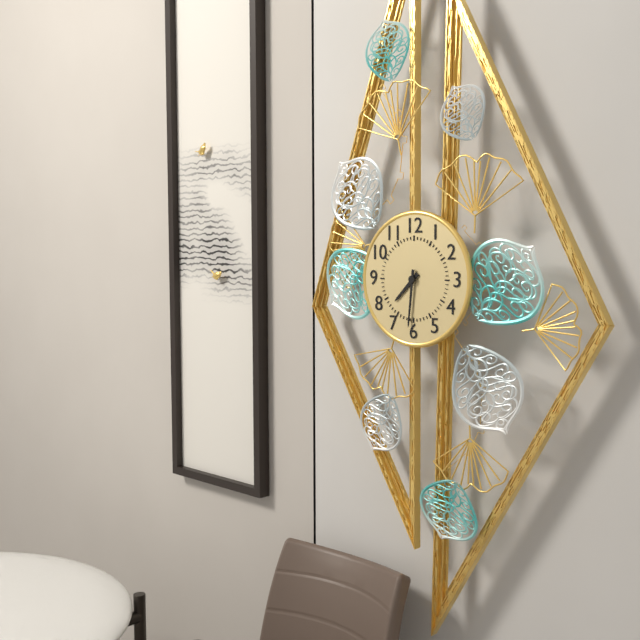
{"hour": 7, "minute": 31}
